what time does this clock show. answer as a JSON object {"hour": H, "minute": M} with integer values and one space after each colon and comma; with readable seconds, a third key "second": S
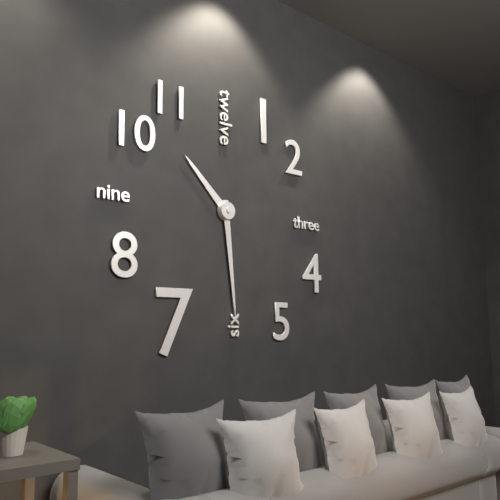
{"hour": 10, "minute": 29}
